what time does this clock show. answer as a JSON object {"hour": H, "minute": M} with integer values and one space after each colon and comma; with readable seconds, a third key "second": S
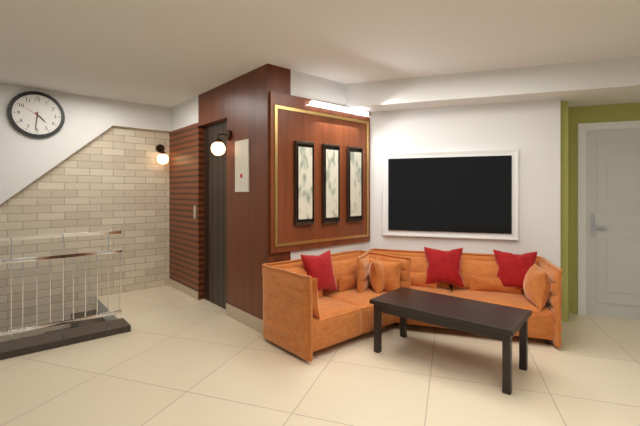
{"hour": 4, "minute": 31}
